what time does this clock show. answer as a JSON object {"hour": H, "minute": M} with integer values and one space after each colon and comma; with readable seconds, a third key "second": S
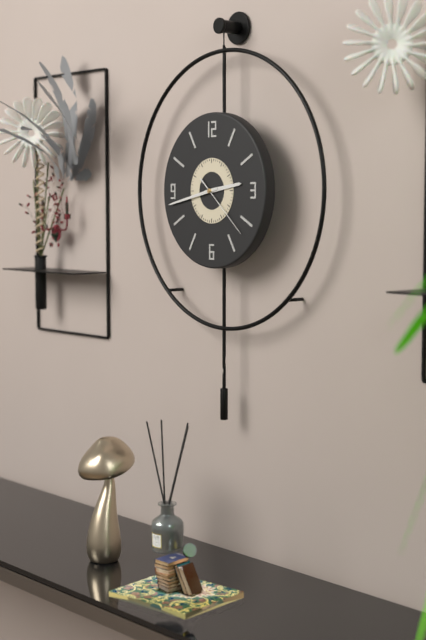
{"hour": 2, "minute": 43, "second": 22}
